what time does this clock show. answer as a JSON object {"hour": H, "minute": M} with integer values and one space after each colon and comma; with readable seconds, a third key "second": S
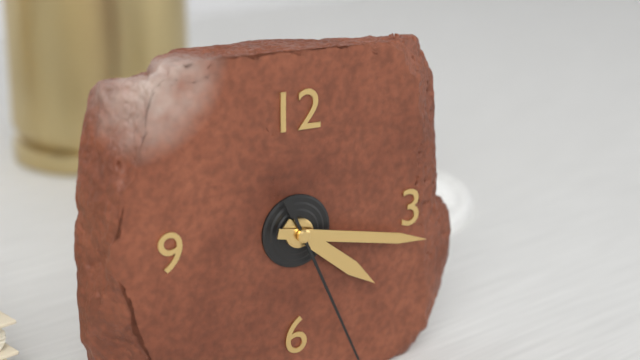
{"hour": 4, "minute": 17}
